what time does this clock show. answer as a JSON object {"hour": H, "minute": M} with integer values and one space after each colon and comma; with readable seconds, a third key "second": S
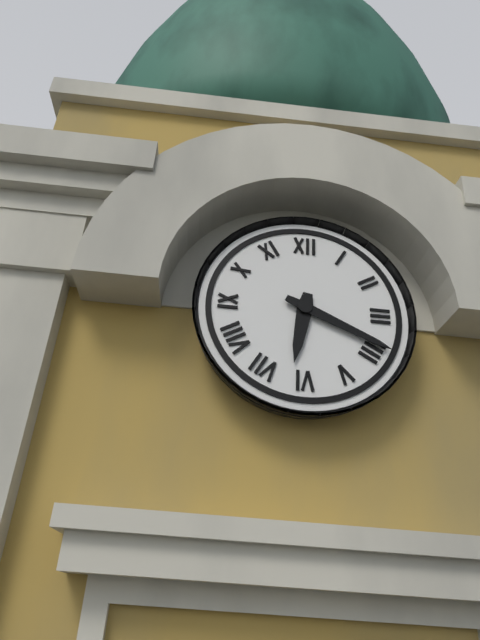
{"hour": 6, "minute": 19}
